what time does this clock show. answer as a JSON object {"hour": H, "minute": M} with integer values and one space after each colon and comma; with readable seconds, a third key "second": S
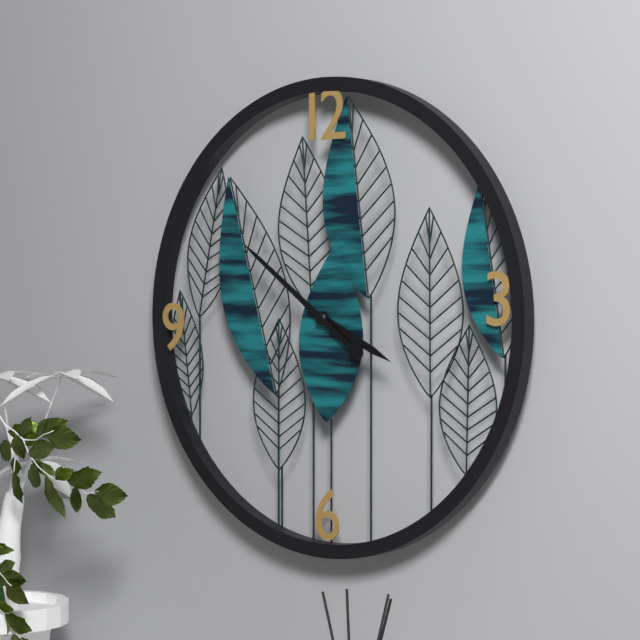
{"hour": 3, "minute": 51}
